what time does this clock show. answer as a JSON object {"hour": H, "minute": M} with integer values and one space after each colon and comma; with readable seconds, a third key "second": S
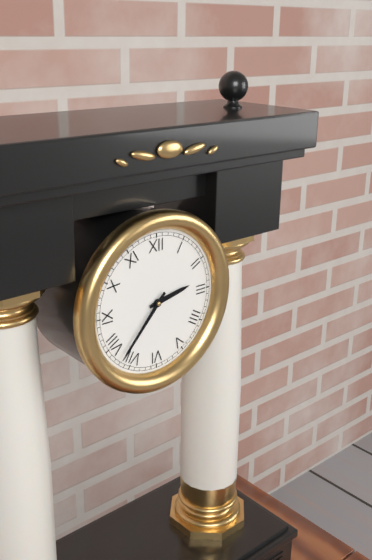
{"hour": 2, "minute": 37}
